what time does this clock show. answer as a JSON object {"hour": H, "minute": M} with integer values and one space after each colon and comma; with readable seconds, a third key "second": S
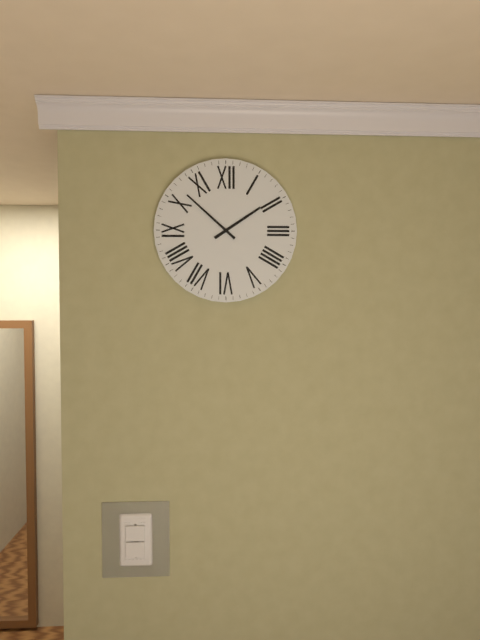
{"hour": 1, "minute": 52}
